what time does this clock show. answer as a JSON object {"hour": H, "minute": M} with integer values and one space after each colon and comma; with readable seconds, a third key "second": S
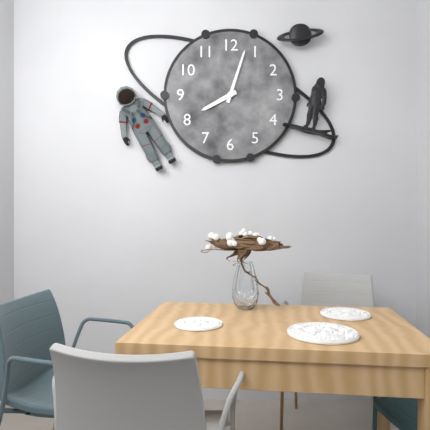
{"hour": 8, "minute": 3}
